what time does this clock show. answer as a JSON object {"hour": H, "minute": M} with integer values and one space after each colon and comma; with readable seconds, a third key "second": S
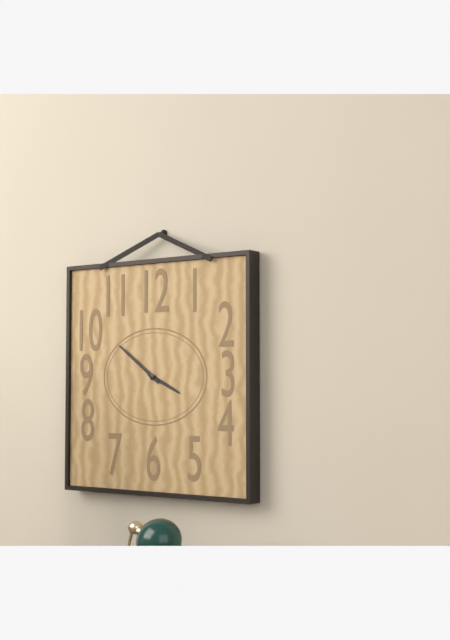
{"hour": 3, "minute": 51}
